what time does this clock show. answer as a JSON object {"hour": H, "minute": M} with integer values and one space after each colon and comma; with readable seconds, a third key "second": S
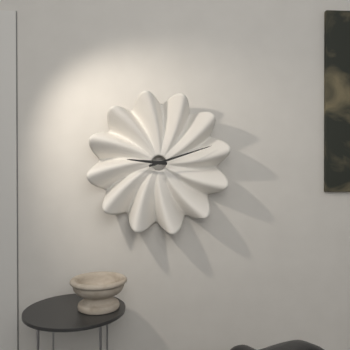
{"hour": 9, "minute": 12}
